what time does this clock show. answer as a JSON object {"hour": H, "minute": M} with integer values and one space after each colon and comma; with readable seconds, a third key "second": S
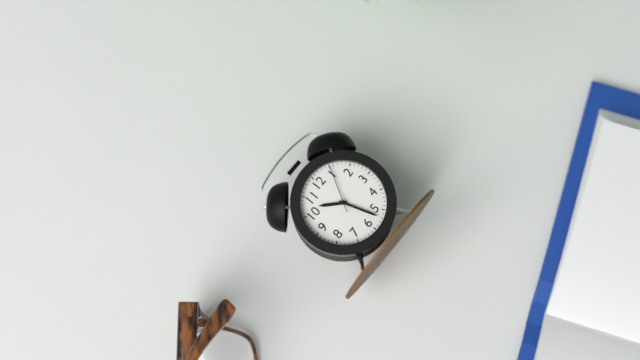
{"hour": 10, "minute": 27}
